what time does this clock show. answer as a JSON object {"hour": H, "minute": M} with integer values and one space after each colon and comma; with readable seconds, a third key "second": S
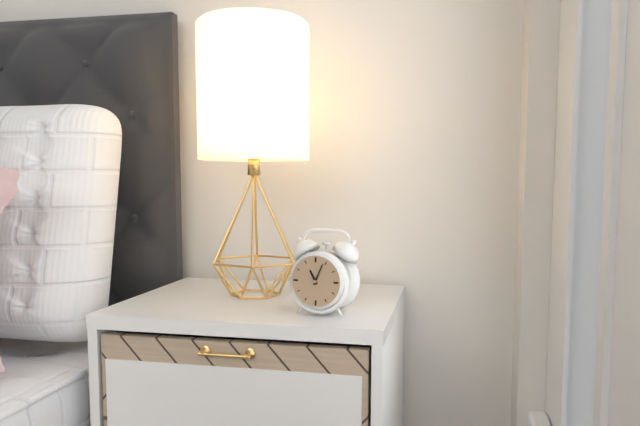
{"hour": 11, "minute": 4}
